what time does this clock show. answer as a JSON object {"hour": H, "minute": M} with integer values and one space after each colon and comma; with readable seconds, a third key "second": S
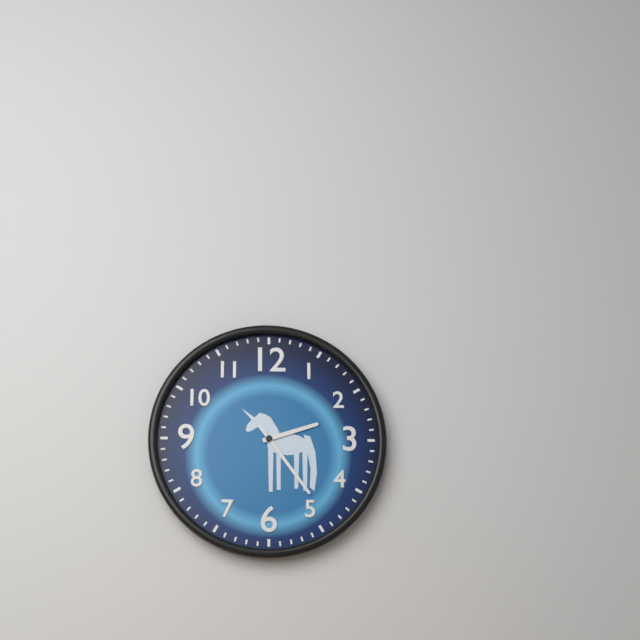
{"hour": 2, "minute": 24}
